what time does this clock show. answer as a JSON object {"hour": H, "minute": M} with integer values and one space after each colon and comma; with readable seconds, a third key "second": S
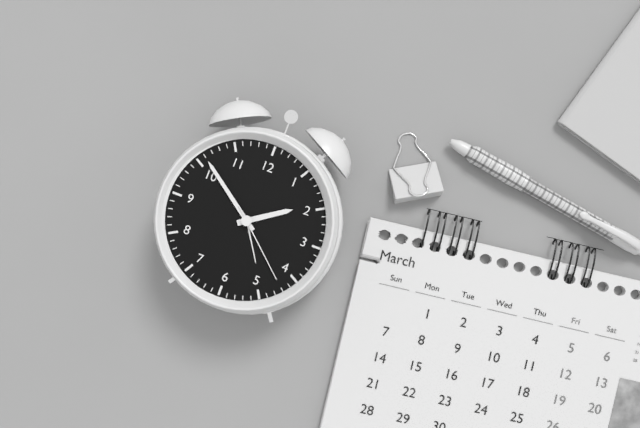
{"hour": 1, "minute": 51, "second": 22}
